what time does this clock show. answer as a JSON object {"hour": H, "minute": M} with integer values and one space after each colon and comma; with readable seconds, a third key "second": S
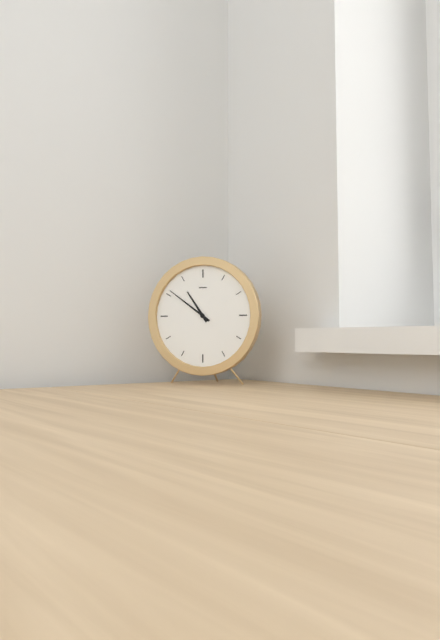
{"hour": 10, "minute": 51}
